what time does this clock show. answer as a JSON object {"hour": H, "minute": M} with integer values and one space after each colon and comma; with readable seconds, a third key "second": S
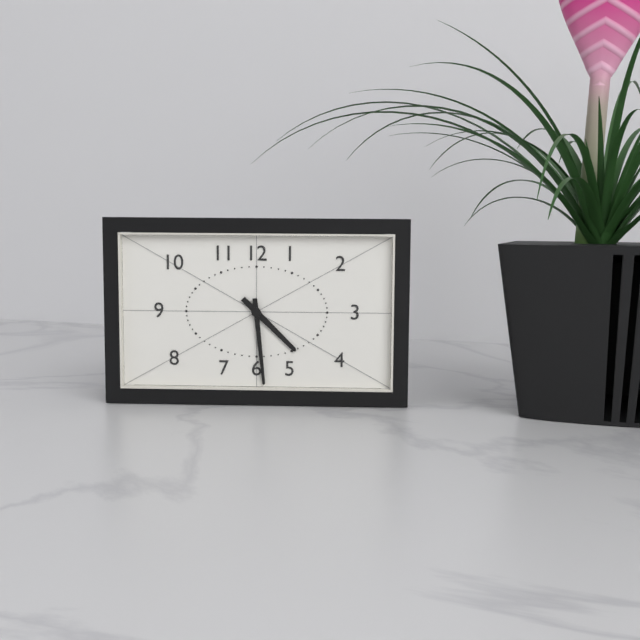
{"hour": 4, "minute": 29}
